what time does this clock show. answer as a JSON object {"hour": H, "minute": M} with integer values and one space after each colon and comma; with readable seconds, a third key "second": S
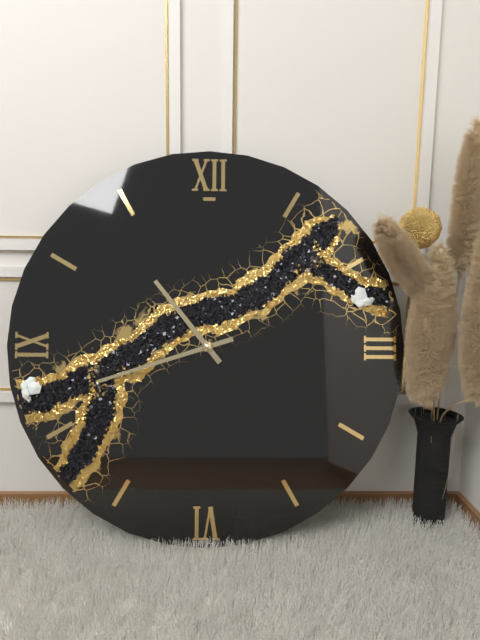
{"hour": 10, "minute": 42}
